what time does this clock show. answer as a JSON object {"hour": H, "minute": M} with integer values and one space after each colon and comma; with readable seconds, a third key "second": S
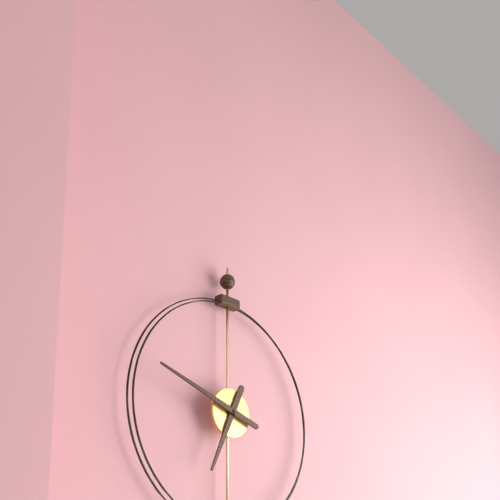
{"hour": 6, "minute": 48}
